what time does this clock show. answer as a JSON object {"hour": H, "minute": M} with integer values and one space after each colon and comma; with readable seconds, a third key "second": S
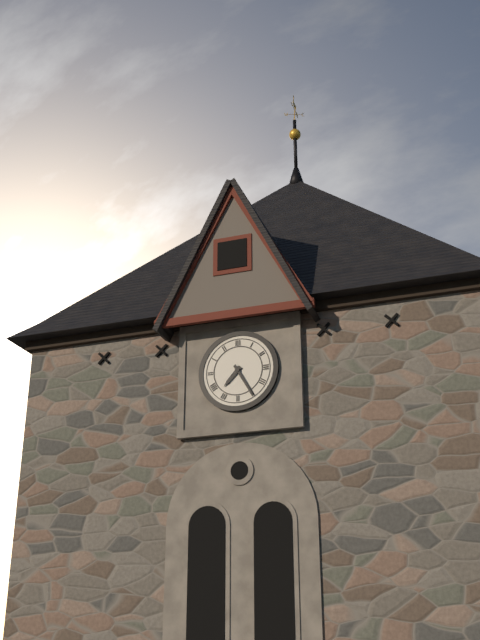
{"hour": 7, "minute": 25}
